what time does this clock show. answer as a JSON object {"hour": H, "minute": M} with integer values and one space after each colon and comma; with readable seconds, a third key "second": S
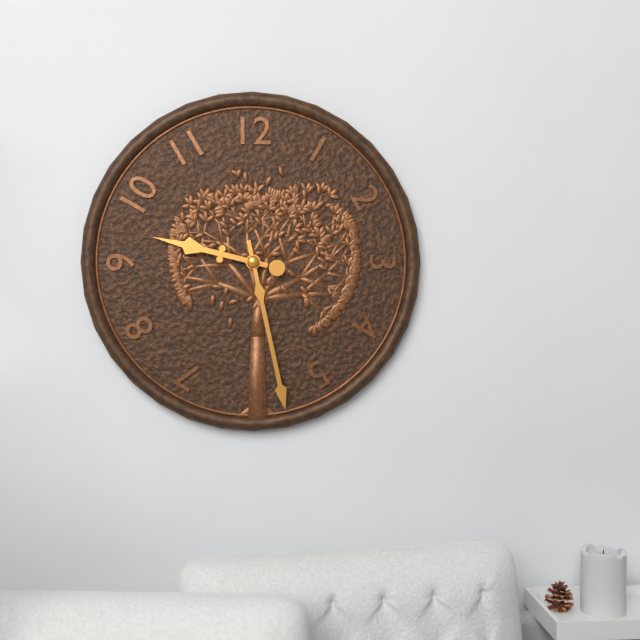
{"hour": 9, "minute": 28}
